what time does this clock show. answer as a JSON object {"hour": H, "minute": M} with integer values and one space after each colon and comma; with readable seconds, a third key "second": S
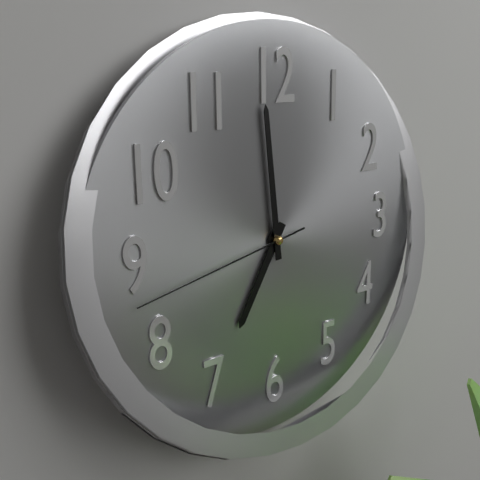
{"hour": 6, "minute": 59, "second": 43}
